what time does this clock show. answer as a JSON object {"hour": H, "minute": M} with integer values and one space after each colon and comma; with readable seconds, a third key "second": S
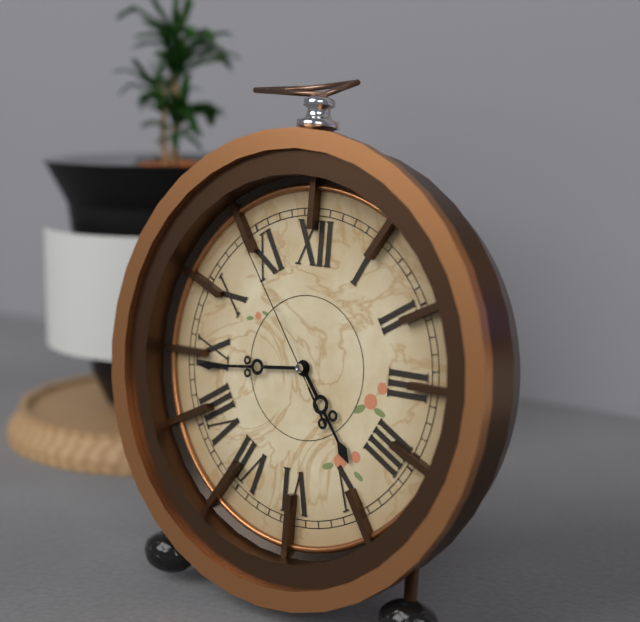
{"hour": 4, "minute": 44, "second": 54}
